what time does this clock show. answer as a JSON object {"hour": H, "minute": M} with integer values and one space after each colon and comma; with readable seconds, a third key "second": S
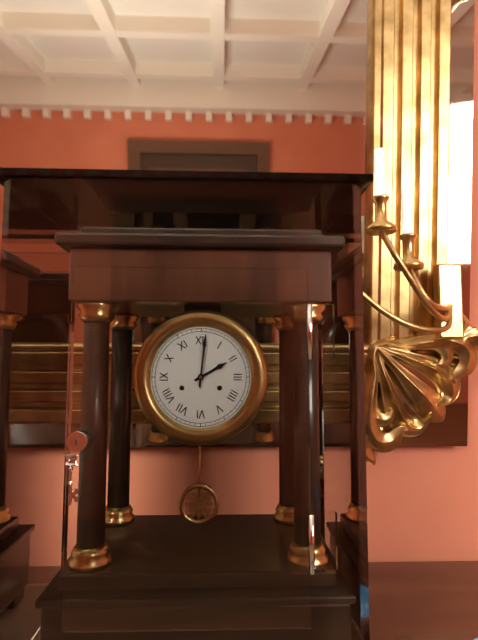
{"hour": 2, "minute": 1}
